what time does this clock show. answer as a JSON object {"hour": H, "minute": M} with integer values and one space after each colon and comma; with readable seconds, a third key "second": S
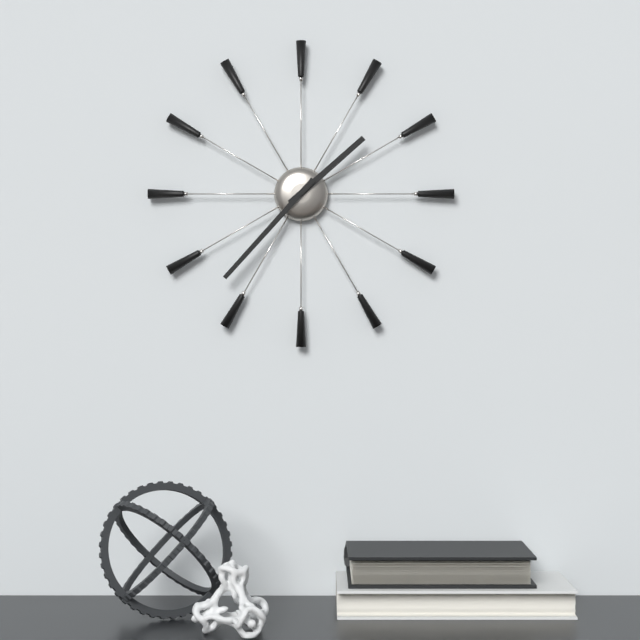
{"hour": 1, "minute": 37}
